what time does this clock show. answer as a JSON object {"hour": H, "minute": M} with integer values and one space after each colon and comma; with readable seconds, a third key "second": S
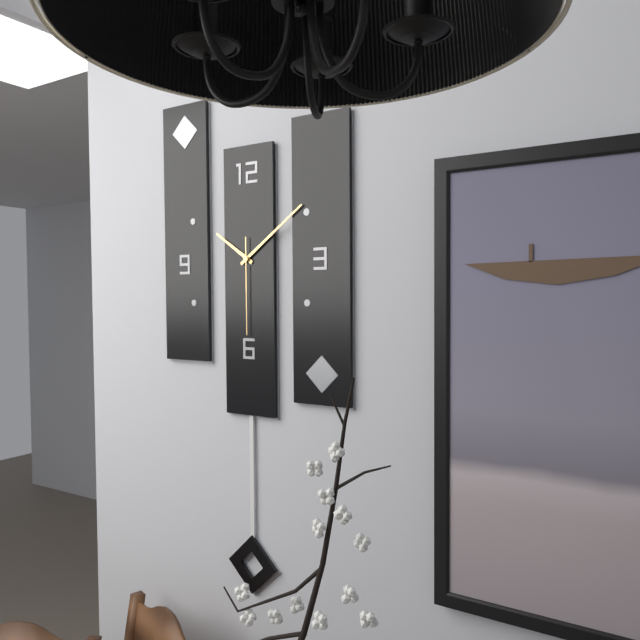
{"hour": 10, "minute": 9, "second": 30}
